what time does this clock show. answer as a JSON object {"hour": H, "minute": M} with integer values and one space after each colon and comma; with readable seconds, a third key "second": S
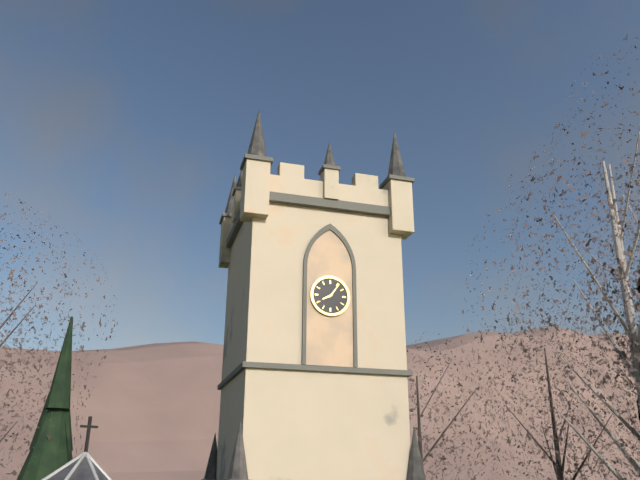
{"hour": 8, "minute": 6}
